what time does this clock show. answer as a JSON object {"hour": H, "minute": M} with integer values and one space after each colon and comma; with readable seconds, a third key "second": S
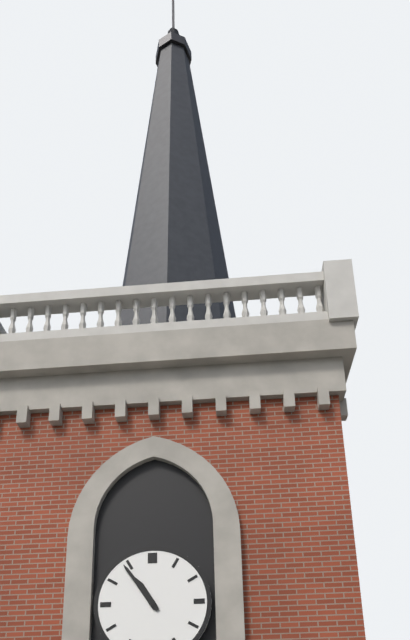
{"hour": 10, "minute": 54}
